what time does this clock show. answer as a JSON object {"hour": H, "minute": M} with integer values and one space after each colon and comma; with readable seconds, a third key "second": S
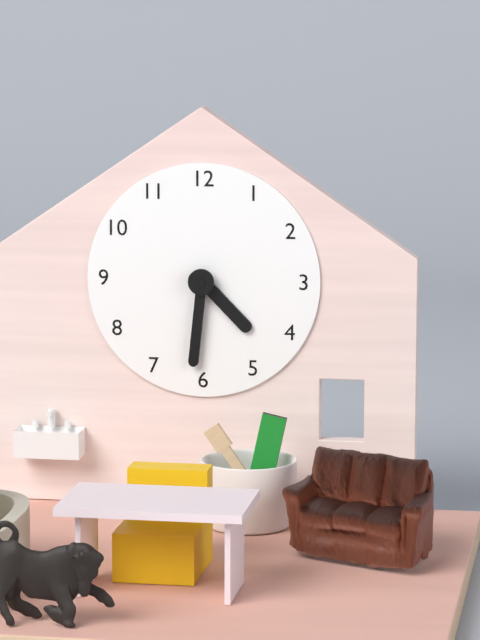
{"hour": 4, "minute": 31}
